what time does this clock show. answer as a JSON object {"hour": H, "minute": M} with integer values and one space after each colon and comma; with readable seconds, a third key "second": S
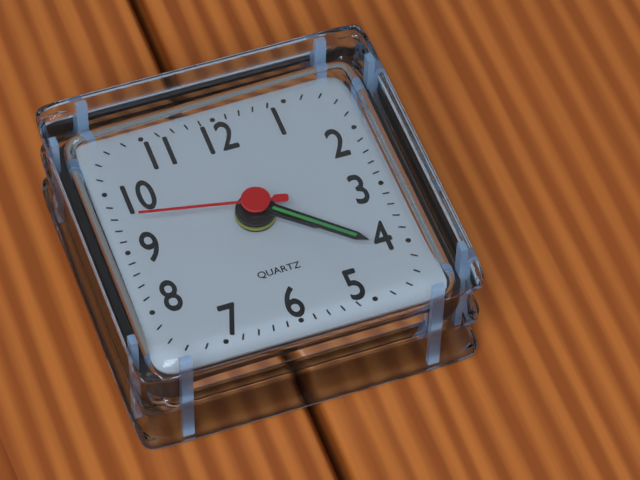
{"hour": 4, "minute": 22, "second": 47}
